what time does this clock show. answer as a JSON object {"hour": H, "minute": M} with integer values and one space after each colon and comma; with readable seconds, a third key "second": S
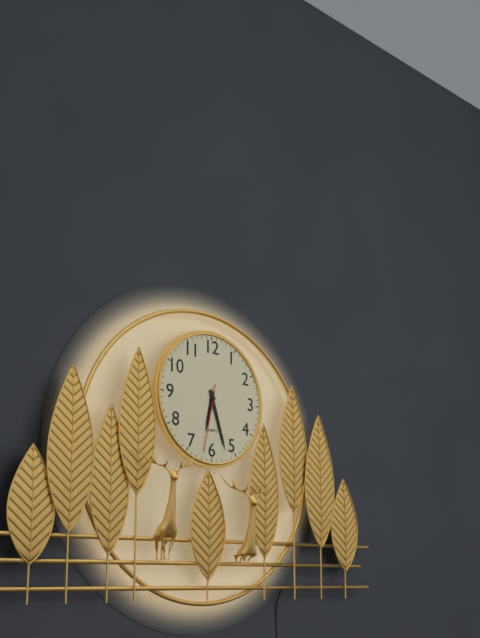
{"hour": 6, "minute": 27, "second": 32}
